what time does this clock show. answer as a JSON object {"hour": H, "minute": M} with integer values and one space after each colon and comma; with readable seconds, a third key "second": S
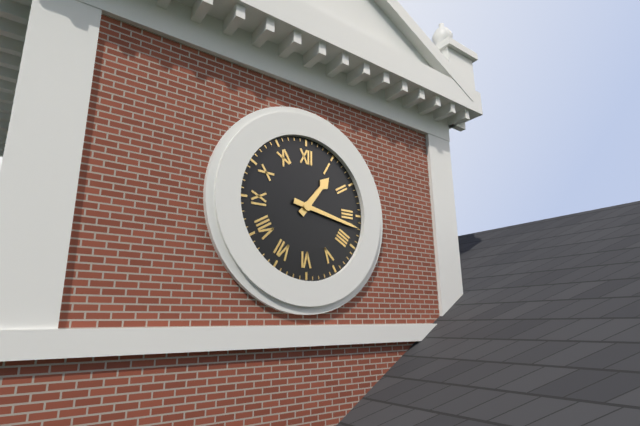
{"hour": 1, "minute": 17}
